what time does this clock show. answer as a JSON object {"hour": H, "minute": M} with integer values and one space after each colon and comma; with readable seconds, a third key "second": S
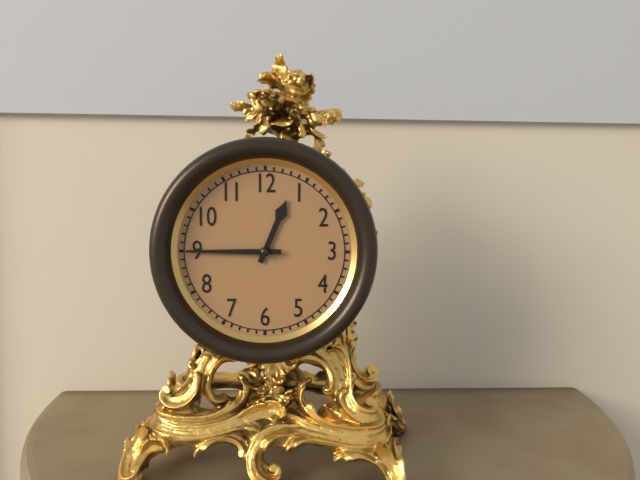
{"hour": 12, "minute": 45}
